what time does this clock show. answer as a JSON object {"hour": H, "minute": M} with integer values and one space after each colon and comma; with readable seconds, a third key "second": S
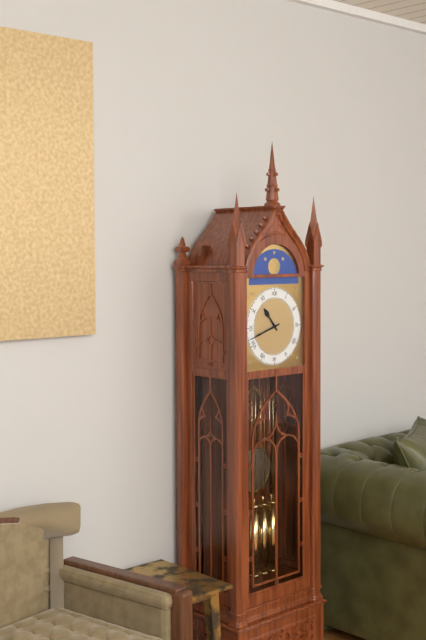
{"hour": 10, "minute": 42}
